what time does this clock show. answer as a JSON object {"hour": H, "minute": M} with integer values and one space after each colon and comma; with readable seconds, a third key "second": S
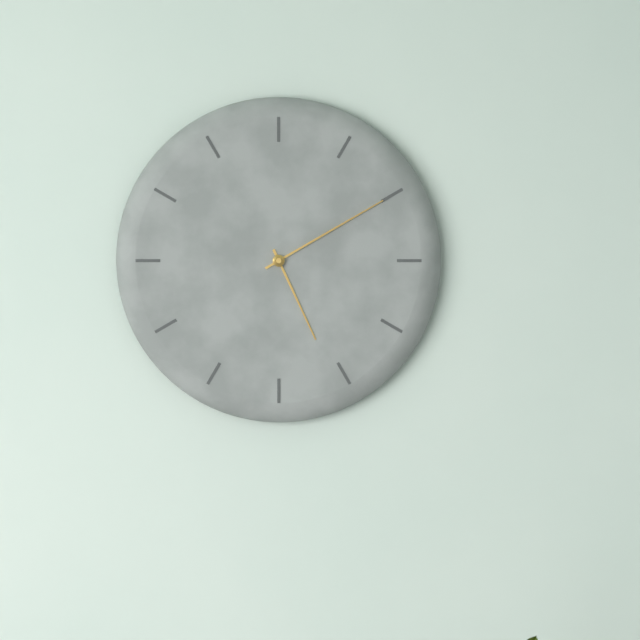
{"hour": 5, "minute": 10}
